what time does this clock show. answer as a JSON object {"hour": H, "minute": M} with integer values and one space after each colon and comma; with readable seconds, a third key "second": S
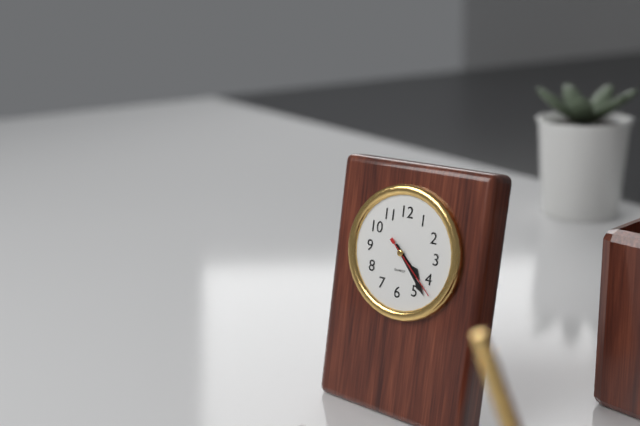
{"hour": 4, "minute": 23, "second": 22}
